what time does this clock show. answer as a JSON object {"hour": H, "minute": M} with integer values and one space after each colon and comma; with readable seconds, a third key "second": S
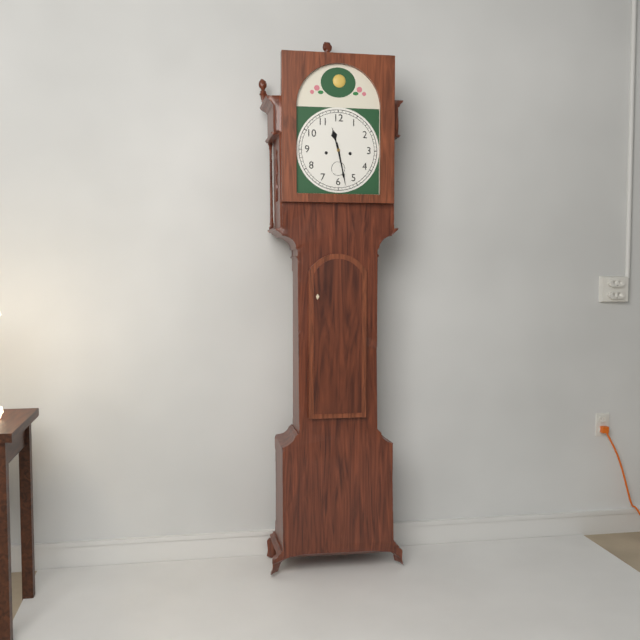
{"hour": 11, "minute": 28}
